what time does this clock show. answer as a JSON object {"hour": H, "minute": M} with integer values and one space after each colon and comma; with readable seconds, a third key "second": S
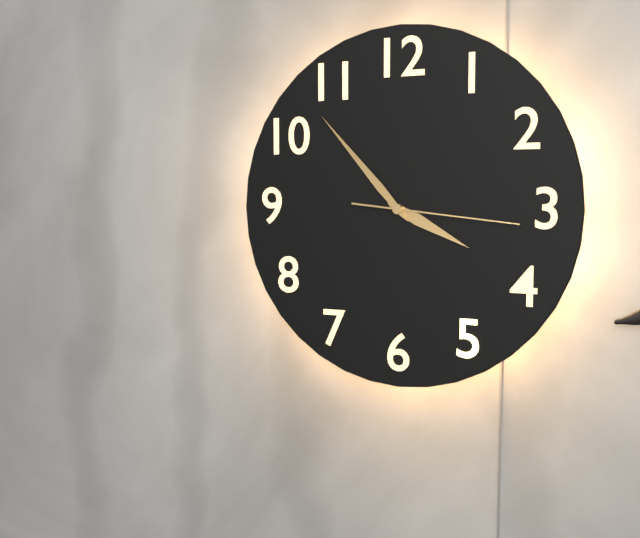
{"hour": 3, "minute": 53, "second": 16}
